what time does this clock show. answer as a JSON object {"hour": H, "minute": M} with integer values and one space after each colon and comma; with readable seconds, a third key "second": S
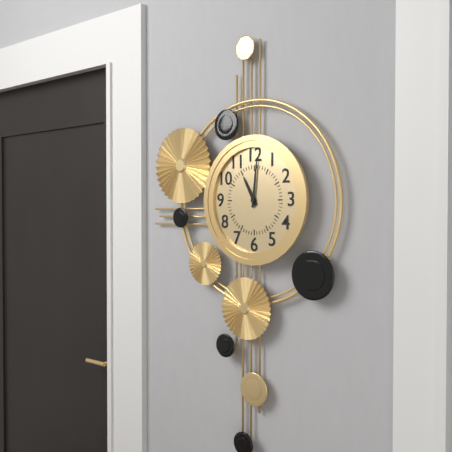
{"hour": 11, "minute": 1}
